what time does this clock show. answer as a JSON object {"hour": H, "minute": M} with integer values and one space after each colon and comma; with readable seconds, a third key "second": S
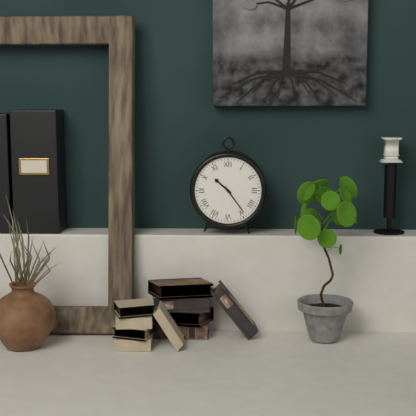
{"hour": 10, "minute": 24}
